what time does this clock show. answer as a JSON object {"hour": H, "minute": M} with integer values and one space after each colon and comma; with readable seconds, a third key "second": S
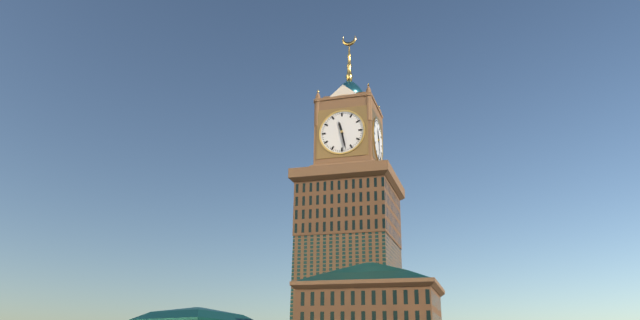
{"hour": 11, "minute": 28}
